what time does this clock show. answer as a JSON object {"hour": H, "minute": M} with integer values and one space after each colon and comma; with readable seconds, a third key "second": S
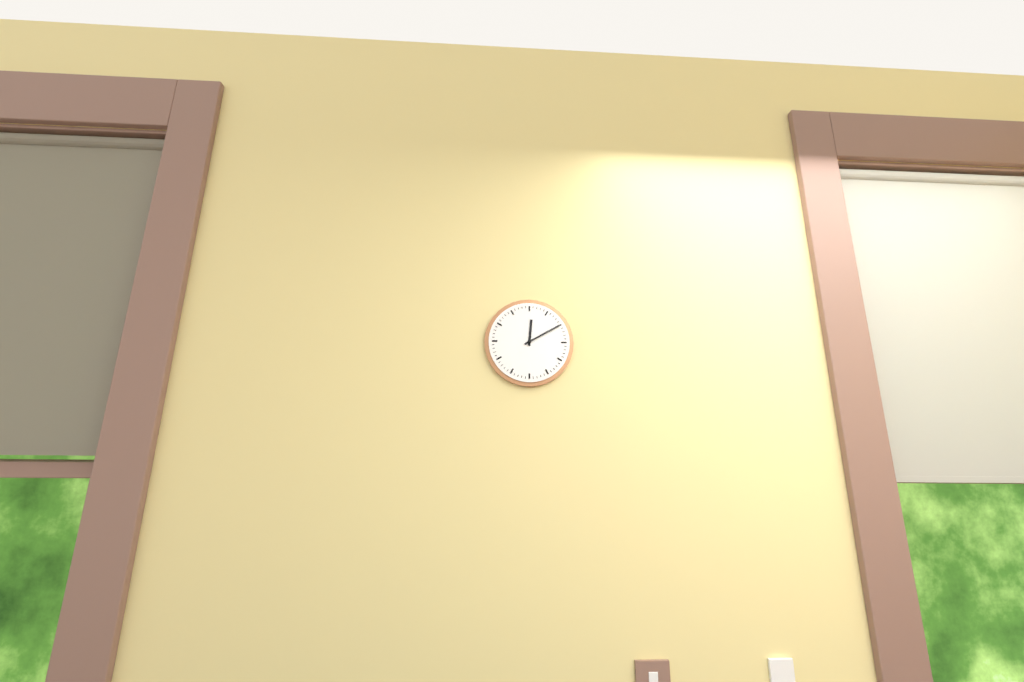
{"hour": 12, "minute": 10}
